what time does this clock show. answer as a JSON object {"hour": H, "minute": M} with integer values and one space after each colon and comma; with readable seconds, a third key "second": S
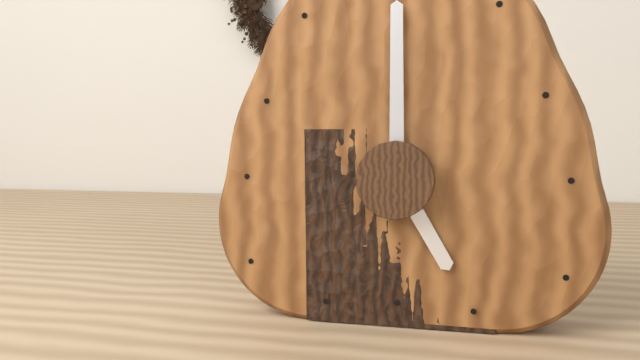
{"hour": 5, "minute": 0}
